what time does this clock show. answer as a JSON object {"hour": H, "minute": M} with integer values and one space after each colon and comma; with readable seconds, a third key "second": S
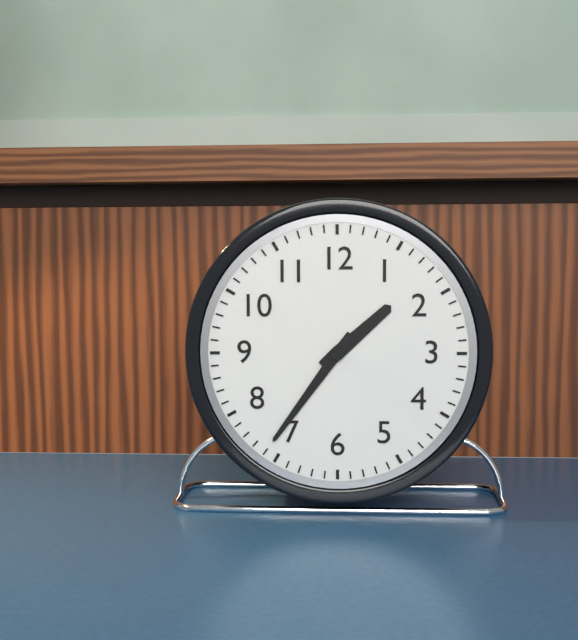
{"hour": 1, "minute": 36}
